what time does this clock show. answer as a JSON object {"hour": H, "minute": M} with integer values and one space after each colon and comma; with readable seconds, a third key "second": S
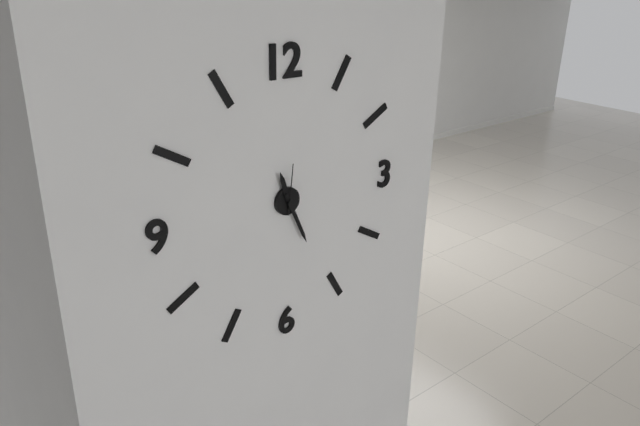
{"hour": 11, "minute": 26}
